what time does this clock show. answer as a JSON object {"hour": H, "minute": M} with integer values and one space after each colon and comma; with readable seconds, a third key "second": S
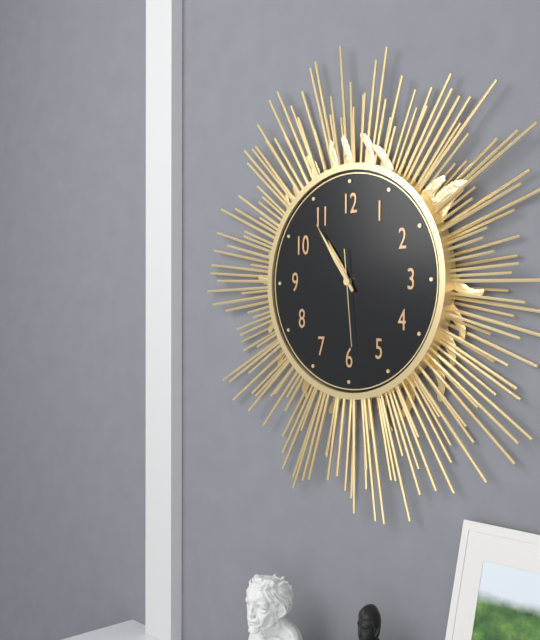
{"hour": 10, "minute": 54, "second": 29}
